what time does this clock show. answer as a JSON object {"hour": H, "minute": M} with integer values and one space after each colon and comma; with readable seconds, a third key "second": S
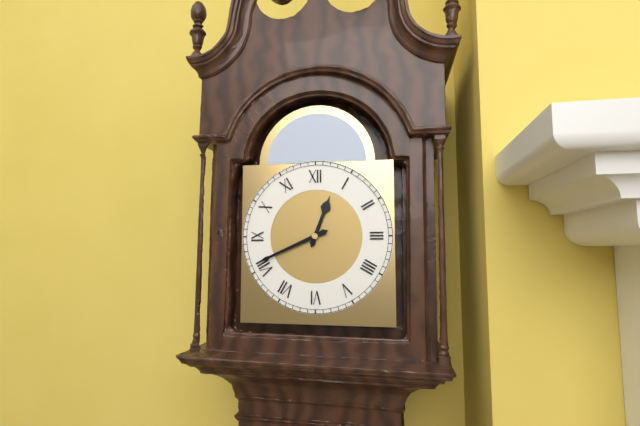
{"hour": 12, "minute": 41}
